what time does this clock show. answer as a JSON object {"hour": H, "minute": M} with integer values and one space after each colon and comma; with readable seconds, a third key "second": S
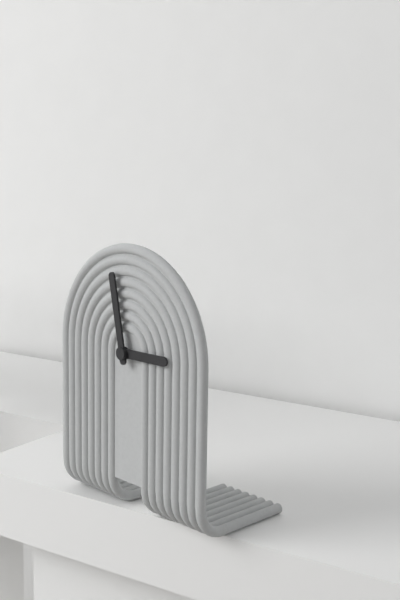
{"hour": 2, "minute": 58}
